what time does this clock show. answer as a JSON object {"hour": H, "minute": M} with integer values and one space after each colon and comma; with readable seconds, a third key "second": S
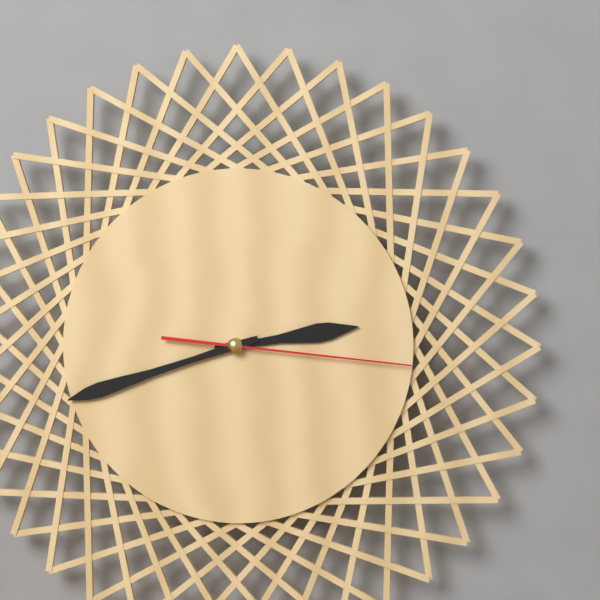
{"hour": 2, "minute": 42, "second": 16}
